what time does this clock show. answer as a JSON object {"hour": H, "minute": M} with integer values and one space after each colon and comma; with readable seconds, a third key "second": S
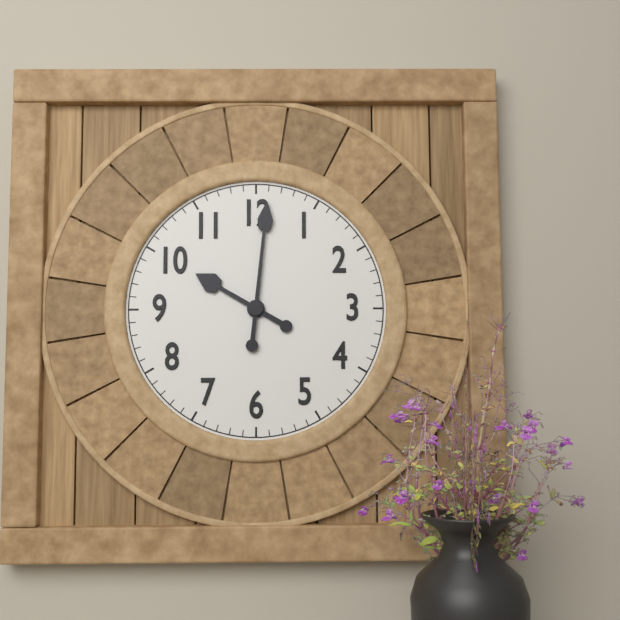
{"hour": 10, "minute": 1}
